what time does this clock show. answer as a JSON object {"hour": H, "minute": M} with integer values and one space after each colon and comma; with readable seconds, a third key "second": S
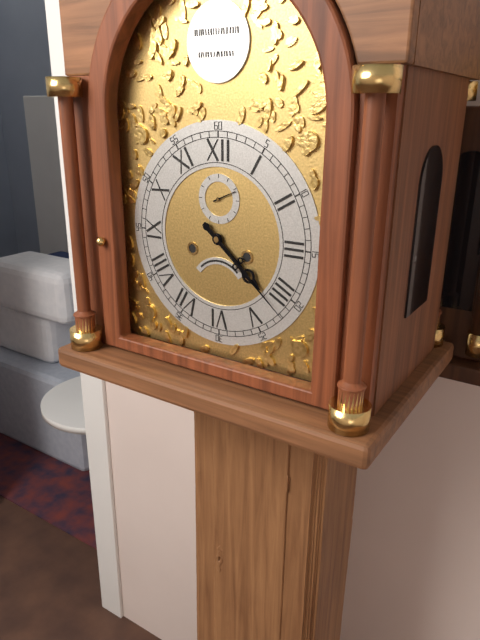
{"hour": 4, "minute": 22}
